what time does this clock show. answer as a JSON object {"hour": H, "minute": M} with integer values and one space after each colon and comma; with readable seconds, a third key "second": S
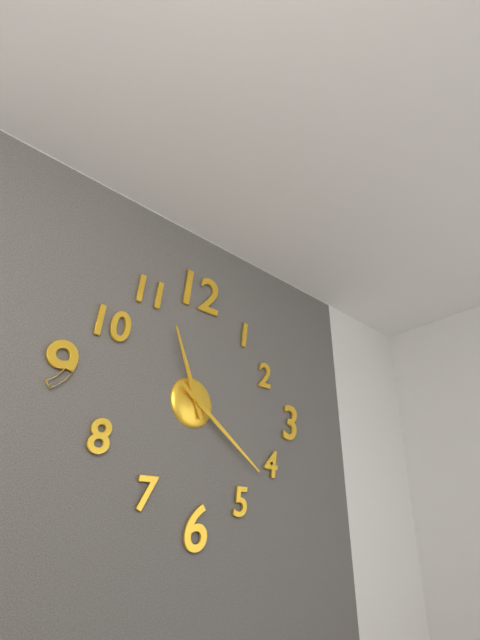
{"hour": 11, "minute": 21}
